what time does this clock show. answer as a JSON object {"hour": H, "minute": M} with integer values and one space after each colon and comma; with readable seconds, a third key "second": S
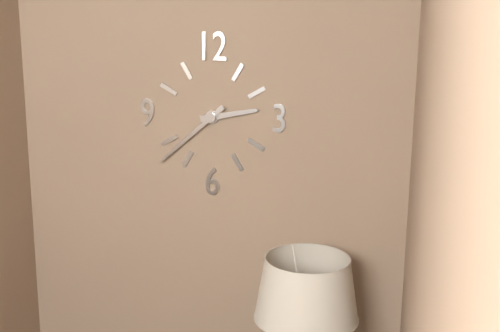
{"hour": 2, "minute": 38}
